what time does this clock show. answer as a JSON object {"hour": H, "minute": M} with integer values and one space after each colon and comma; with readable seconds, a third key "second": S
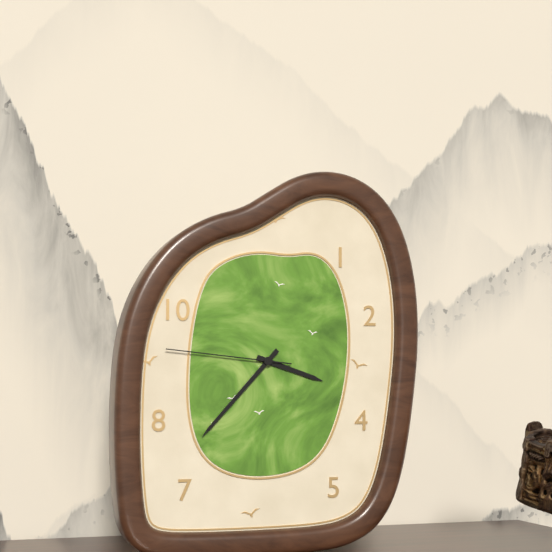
{"hour": 3, "minute": 37, "second": 46}
